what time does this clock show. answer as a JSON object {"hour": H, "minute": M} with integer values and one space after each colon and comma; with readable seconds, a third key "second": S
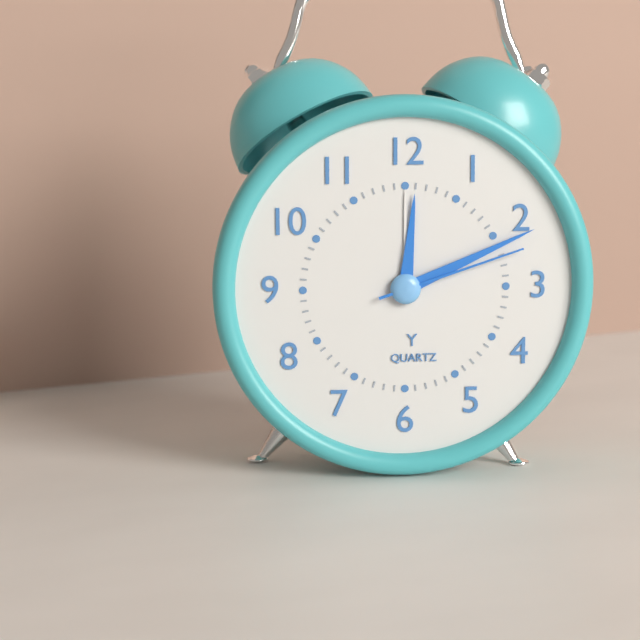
{"hour": 12, "minute": 11, "second": 12}
